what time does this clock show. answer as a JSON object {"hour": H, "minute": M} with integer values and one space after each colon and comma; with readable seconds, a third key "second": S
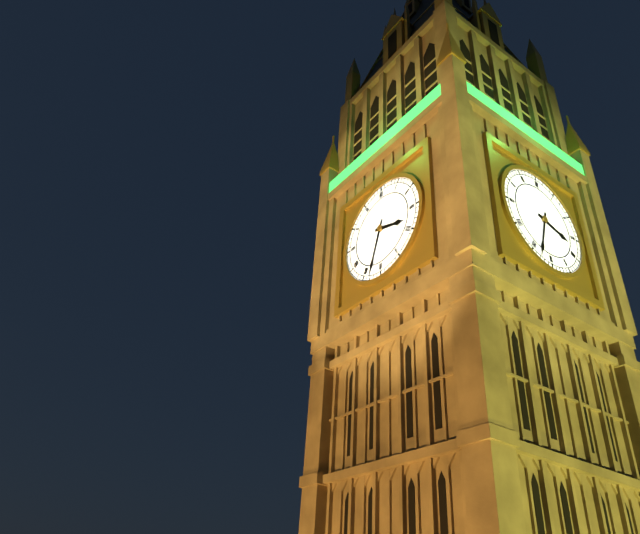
{"hour": 3, "minute": 33}
